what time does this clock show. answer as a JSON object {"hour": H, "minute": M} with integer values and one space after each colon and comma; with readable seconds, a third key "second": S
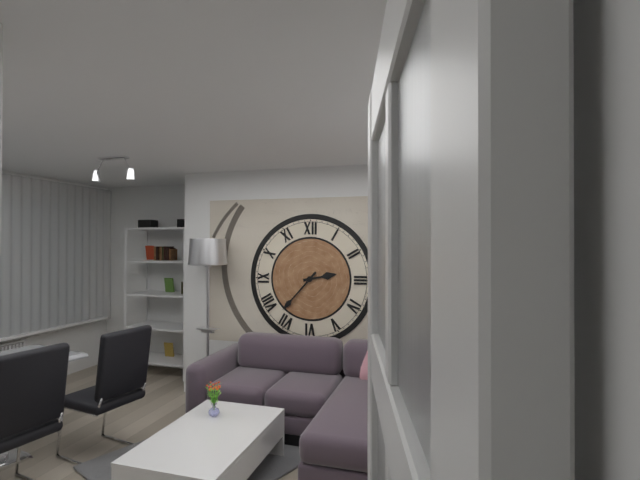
{"hour": 2, "minute": 37}
